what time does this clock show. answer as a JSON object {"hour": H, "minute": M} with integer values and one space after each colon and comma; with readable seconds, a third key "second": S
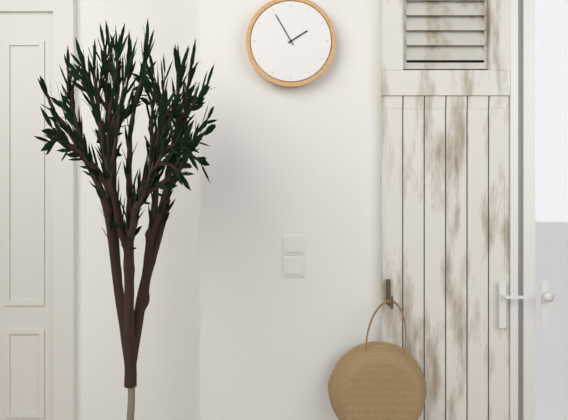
{"hour": 1, "minute": 55}
